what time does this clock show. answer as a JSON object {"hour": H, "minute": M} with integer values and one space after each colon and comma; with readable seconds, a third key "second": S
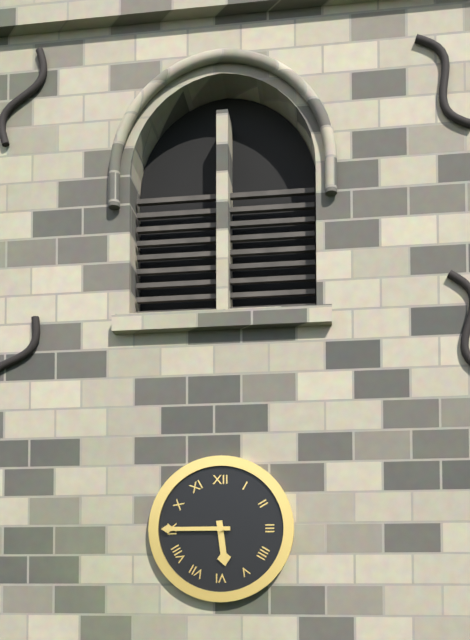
{"hour": 5, "minute": 45}
